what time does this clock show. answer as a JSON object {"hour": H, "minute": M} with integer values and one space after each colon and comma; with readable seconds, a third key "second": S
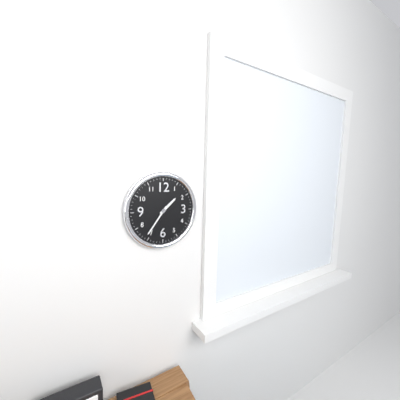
{"hour": 1, "minute": 36}
